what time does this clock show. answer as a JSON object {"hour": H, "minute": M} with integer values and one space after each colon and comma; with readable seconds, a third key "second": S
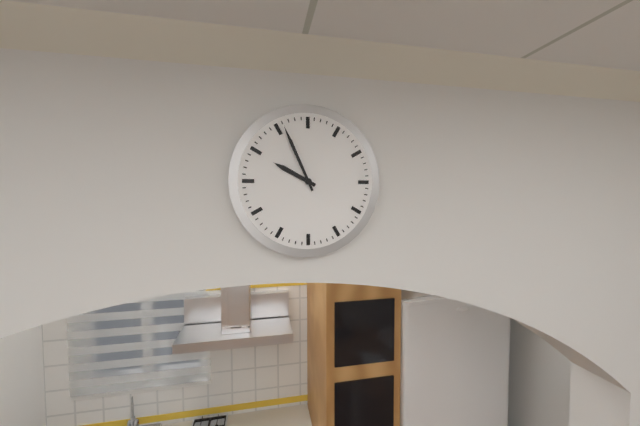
{"hour": 9, "minute": 56}
